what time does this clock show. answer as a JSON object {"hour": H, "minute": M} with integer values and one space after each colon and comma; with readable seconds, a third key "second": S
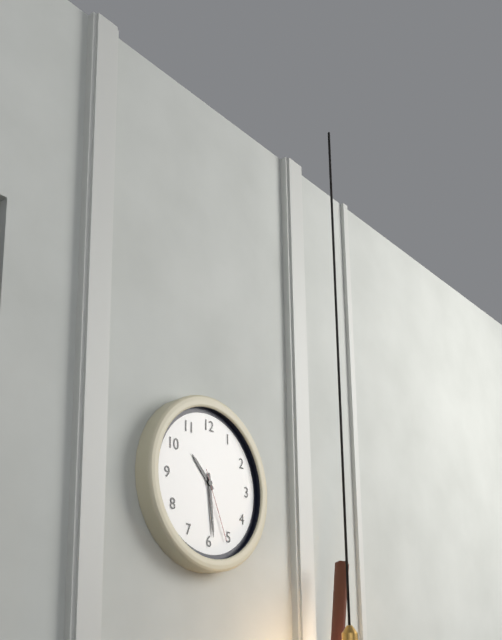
{"hour": 10, "minute": 29, "second": 26}
